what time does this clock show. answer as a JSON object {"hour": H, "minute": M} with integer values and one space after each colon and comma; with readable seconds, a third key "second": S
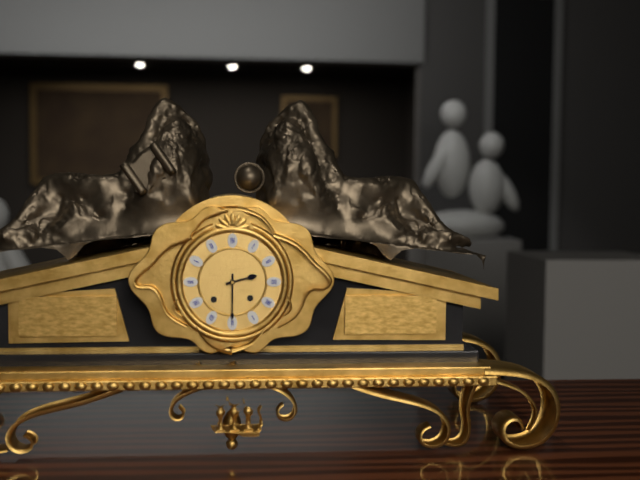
{"hour": 2, "minute": 30}
